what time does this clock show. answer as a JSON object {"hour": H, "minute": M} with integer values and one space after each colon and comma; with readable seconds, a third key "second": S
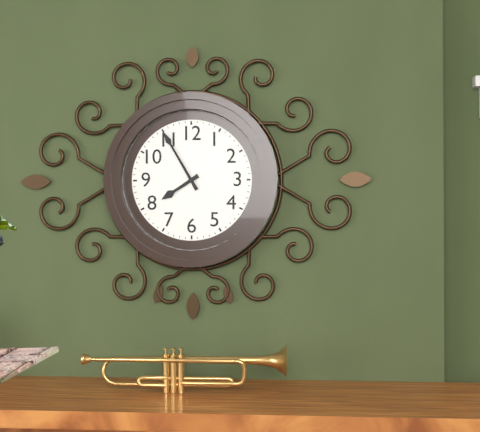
{"hour": 7, "minute": 55}
